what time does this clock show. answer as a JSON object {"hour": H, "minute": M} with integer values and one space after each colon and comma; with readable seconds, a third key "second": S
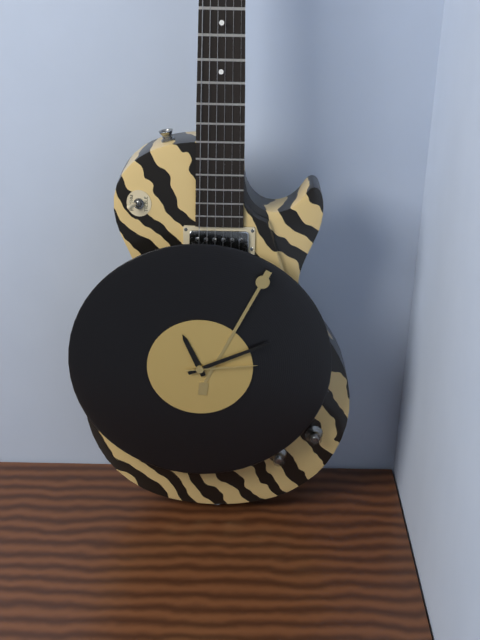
{"hour": 11, "minute": 11, "second": 14}
